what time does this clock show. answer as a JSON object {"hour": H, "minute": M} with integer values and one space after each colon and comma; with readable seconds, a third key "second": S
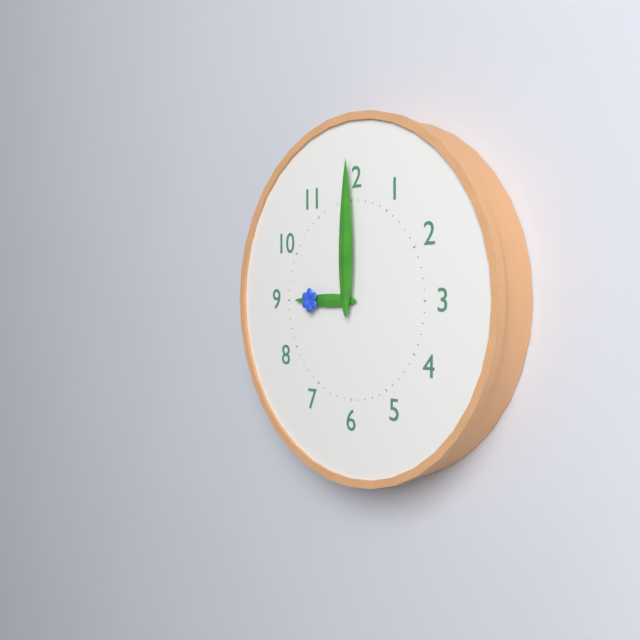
{"hour": 9, "minute": 0}
